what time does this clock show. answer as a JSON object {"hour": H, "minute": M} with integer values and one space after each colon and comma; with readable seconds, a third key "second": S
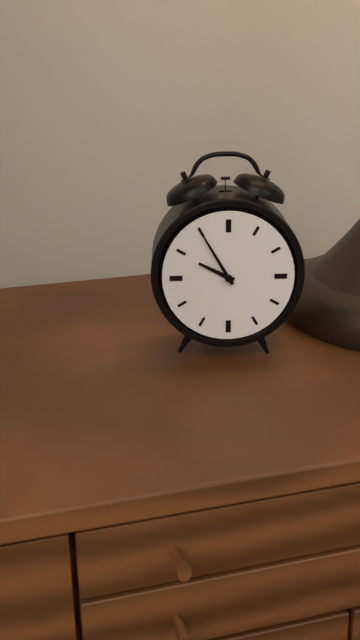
{"hour": 9, "minute": 55}
